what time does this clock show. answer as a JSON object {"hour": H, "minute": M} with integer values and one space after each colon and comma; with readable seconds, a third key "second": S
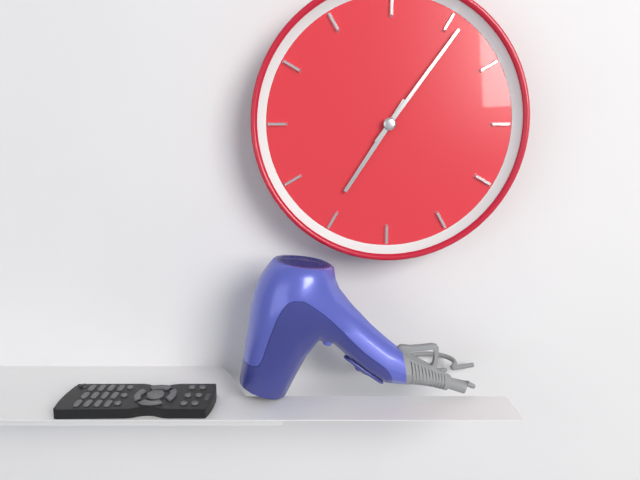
{"hour": 7, "minute": 6}
